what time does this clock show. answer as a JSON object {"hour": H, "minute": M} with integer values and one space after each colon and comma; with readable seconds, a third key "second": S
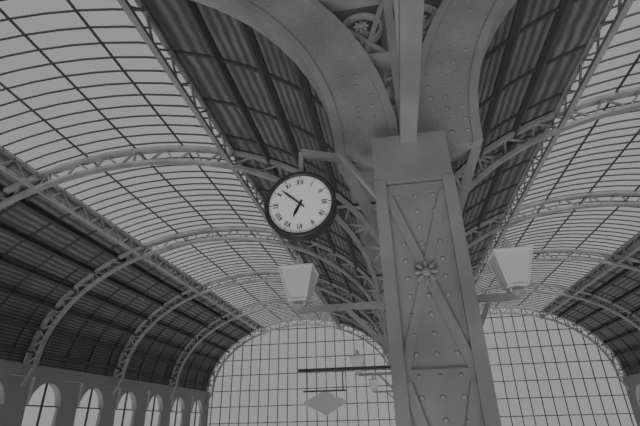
{"hour": 6, "minute": 52}
